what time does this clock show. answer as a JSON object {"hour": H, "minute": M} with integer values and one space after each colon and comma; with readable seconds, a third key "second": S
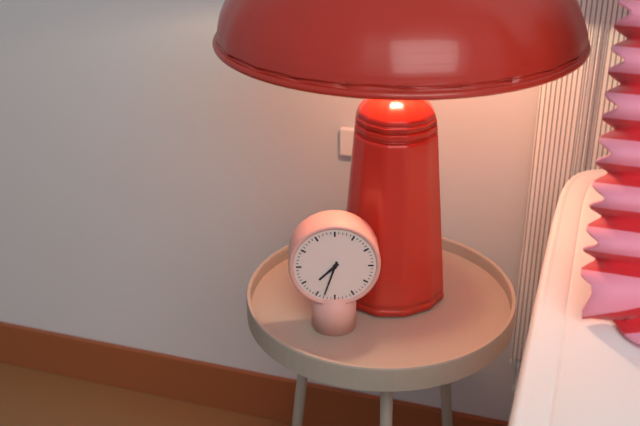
{"hour": 7, "minute": 33}
